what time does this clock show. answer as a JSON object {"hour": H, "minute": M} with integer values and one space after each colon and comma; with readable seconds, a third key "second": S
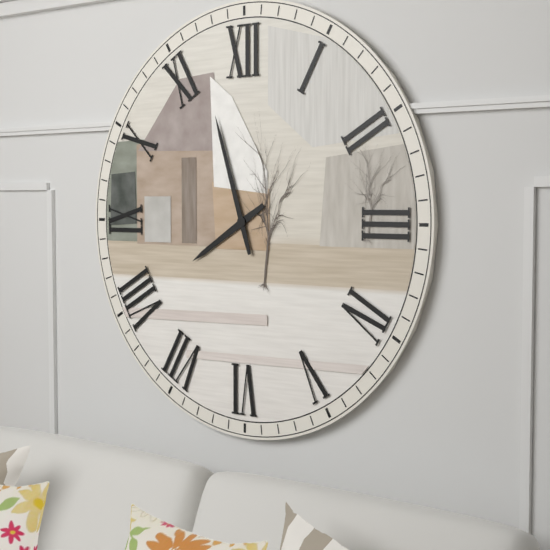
{"hour": 7, "minute": 57}
